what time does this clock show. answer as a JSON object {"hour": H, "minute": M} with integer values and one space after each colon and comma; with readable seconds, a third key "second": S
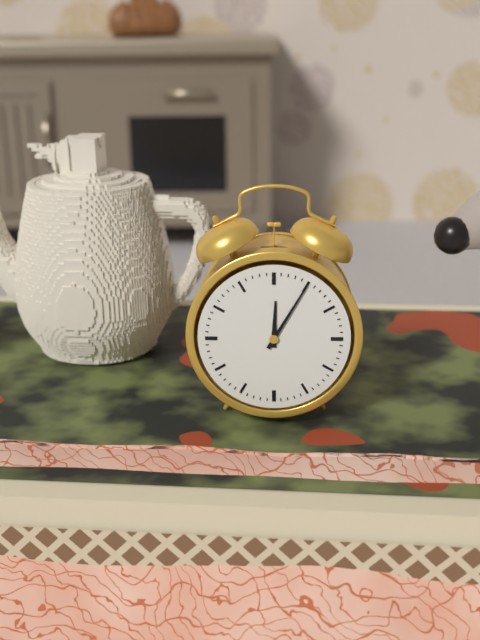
{"hour": 12, "minute": 5}
